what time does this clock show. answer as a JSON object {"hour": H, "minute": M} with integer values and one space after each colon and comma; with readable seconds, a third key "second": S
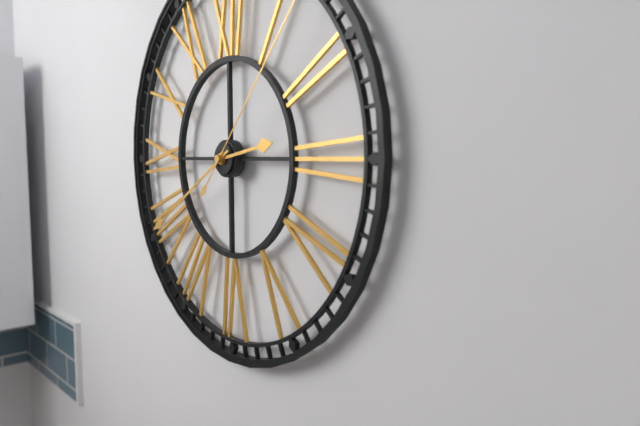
{"hour": 2, "minute": 40}
